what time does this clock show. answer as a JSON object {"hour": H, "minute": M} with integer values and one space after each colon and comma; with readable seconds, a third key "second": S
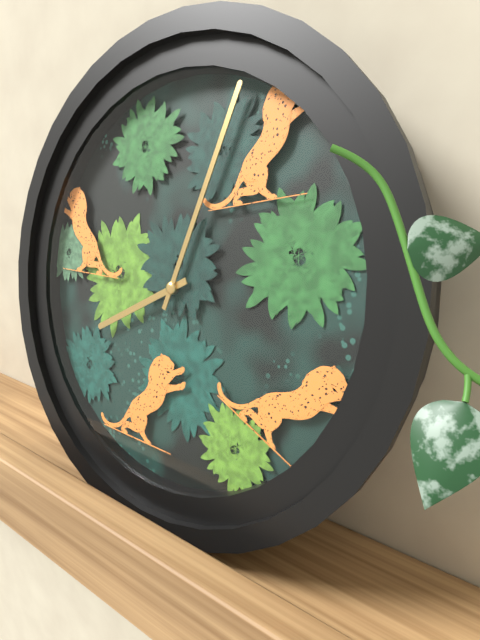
{"hour": 8, "minute": 3}
